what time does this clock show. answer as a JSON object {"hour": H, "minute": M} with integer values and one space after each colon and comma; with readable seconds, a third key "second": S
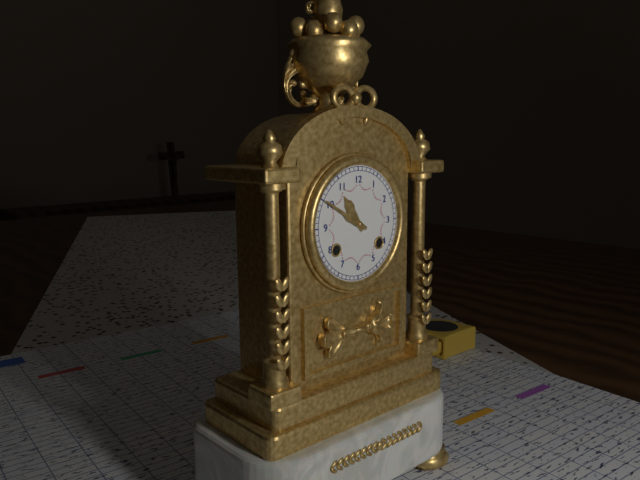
{"hour": 10, "minute": 50}
